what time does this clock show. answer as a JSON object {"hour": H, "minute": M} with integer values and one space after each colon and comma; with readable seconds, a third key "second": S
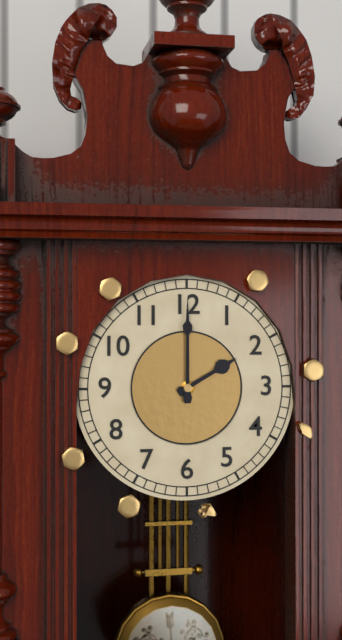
{"hour": 2, "minute": 0}
